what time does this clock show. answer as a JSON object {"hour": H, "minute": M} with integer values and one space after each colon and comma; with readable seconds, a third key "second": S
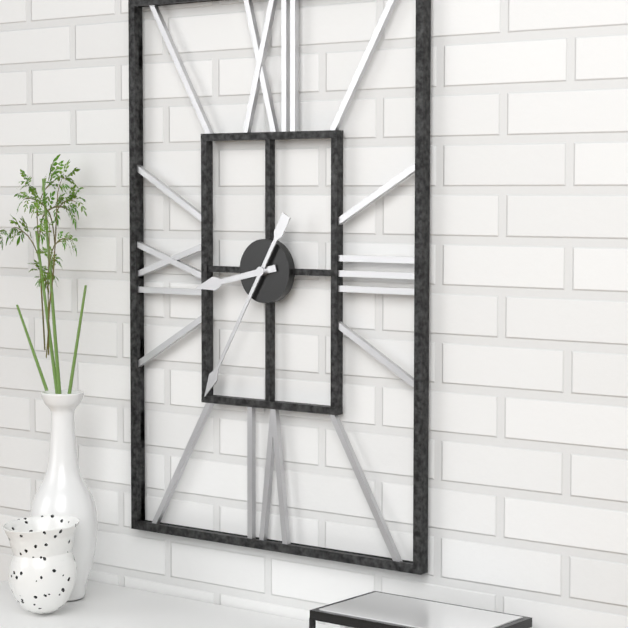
{"hour": 8, "minute": 35}
